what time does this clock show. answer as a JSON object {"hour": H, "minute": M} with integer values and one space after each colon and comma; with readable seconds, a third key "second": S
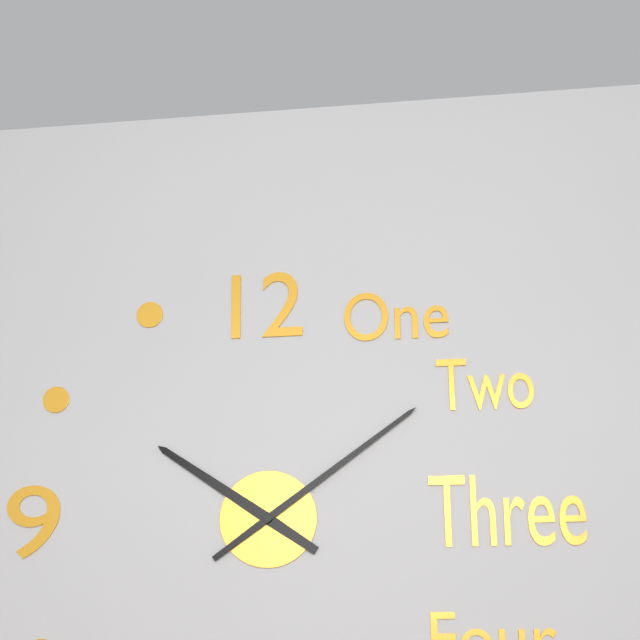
{"hour": 10, "minute": 9}
